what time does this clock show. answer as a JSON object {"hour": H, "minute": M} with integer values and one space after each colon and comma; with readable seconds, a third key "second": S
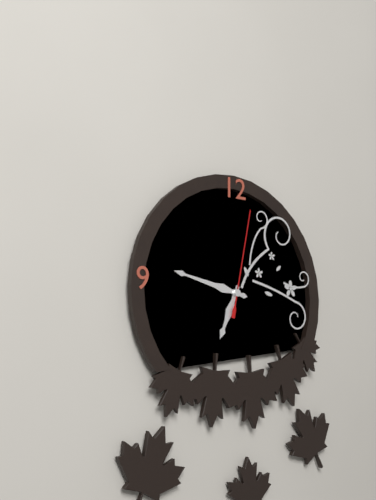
{"hour": 6, "minute": 47, "second": 2}
